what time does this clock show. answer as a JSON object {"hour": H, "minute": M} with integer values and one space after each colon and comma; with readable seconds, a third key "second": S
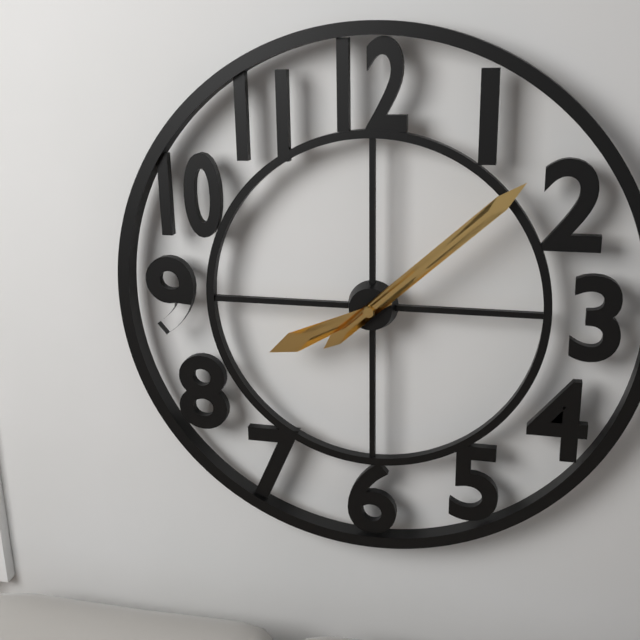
{"hour": 8, "minute": 8}
